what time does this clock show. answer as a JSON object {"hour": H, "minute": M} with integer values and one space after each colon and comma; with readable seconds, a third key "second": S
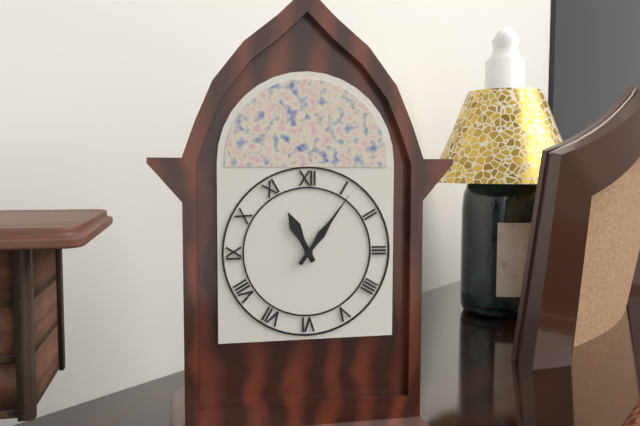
{"hour": 11, "minute": 6}
